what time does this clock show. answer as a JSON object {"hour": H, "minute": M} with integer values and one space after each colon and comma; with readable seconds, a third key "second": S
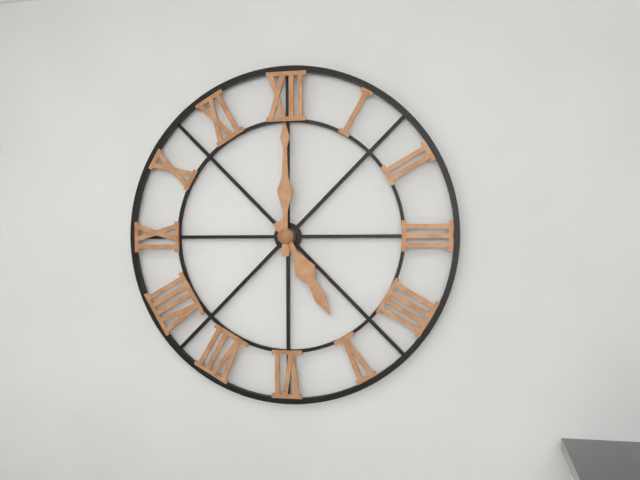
{"hour": 5, "minute": 0}
